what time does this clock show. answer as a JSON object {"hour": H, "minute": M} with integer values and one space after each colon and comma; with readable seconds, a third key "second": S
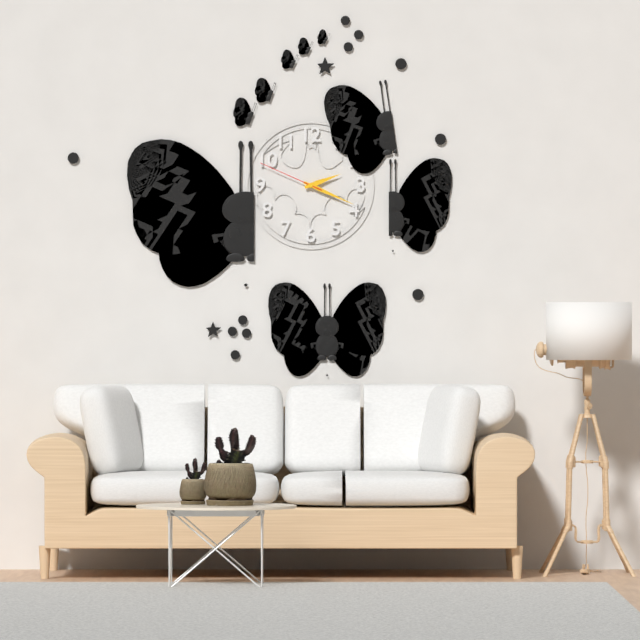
{"hour": 2, "minute": 19, "second": 49}
